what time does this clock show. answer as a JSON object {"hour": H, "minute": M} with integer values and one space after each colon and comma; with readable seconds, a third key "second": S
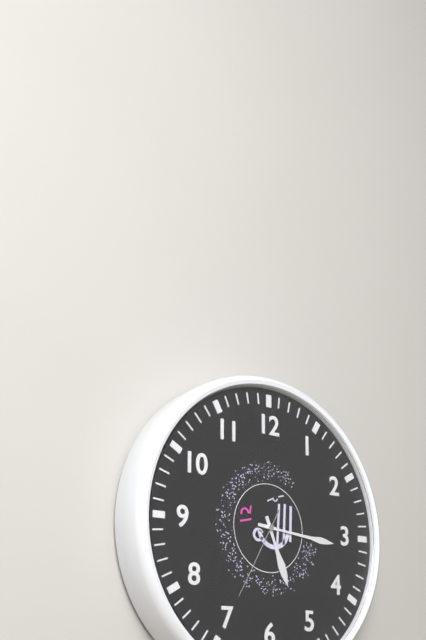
{"hour": 5, "minute": 16, "second": 35}
